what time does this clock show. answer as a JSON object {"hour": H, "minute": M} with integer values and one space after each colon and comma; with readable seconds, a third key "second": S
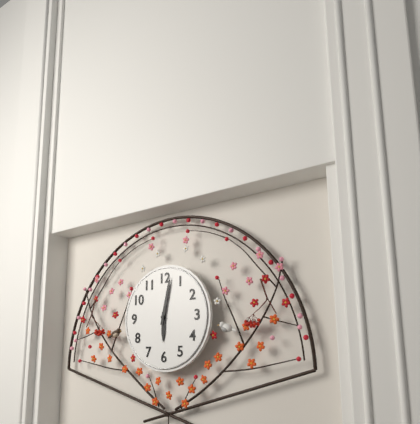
{"hour": 6, "minute": 2}
